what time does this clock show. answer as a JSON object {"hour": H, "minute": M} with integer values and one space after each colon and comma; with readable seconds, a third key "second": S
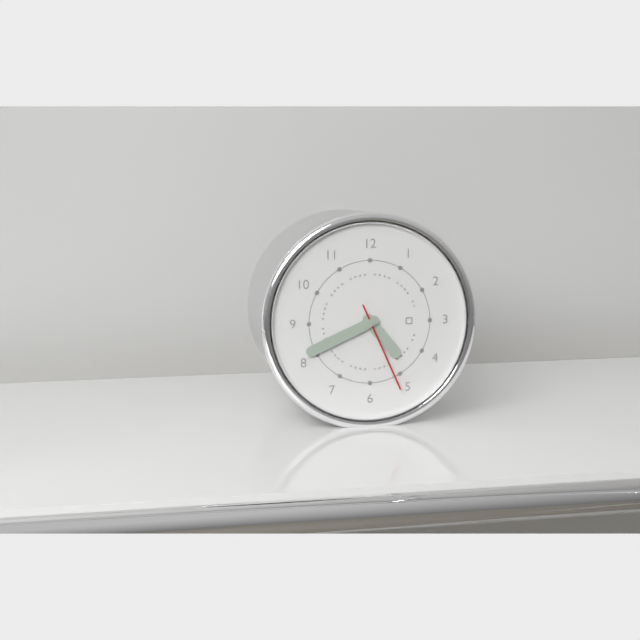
{"hour": 4, "minute": 41, "second": 26}
